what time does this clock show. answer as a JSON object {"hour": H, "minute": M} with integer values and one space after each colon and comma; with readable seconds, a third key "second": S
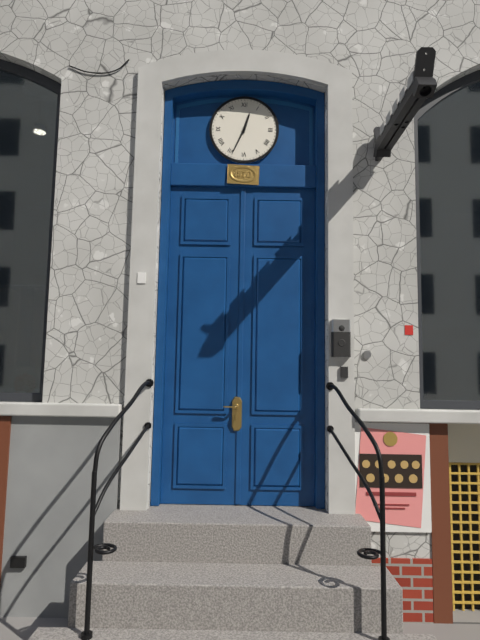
{"hour": 12, "minute": 34}
